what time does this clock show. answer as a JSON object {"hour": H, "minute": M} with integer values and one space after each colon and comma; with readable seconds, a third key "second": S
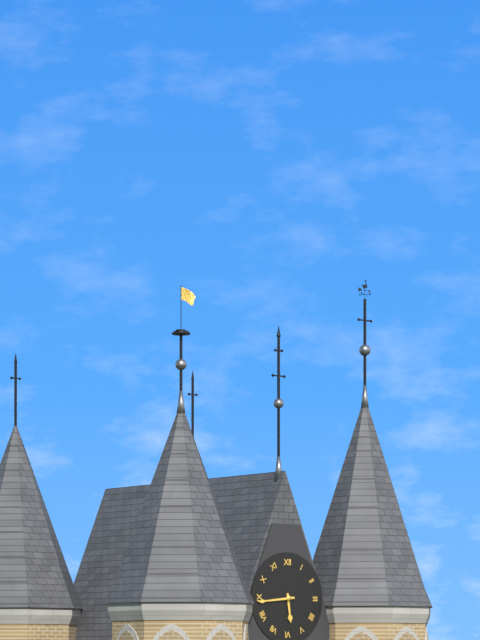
{"hour": 5, "minute": 44}
